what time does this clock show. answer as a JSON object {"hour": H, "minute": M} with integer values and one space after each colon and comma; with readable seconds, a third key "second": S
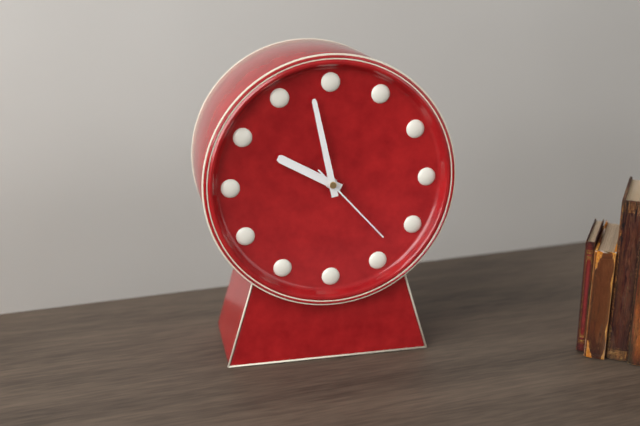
{"hour": 9, "minute": 58, "second": 23}
